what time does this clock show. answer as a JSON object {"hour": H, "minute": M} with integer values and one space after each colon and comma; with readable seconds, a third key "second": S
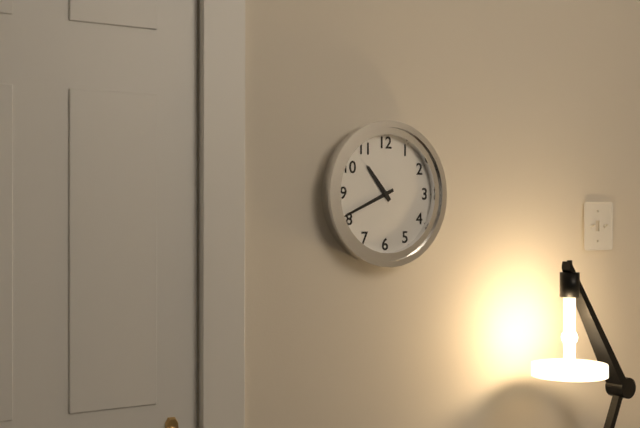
{"hour": 10, "minute": 41}
